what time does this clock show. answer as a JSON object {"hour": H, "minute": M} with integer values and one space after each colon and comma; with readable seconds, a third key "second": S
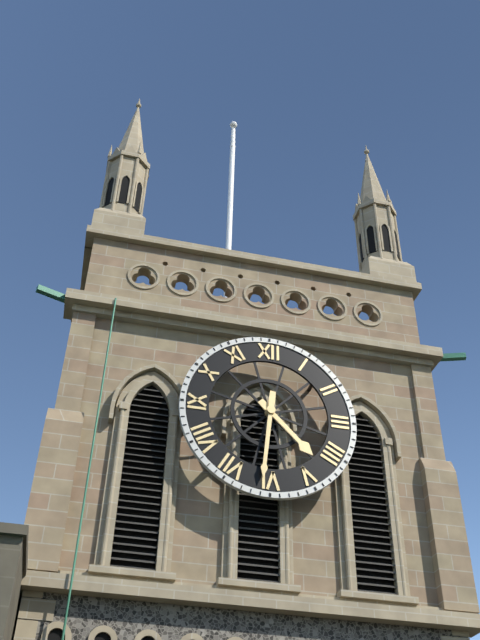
{"hour": 4, "minute": 31}
